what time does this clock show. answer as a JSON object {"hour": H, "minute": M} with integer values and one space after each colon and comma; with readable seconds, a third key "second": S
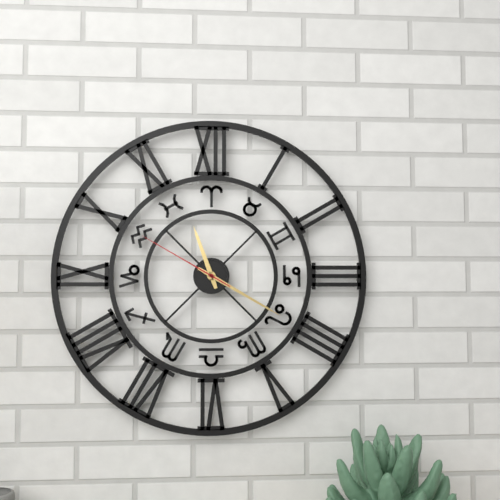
{"hour": 11, "minute": 20, "second": 50}
